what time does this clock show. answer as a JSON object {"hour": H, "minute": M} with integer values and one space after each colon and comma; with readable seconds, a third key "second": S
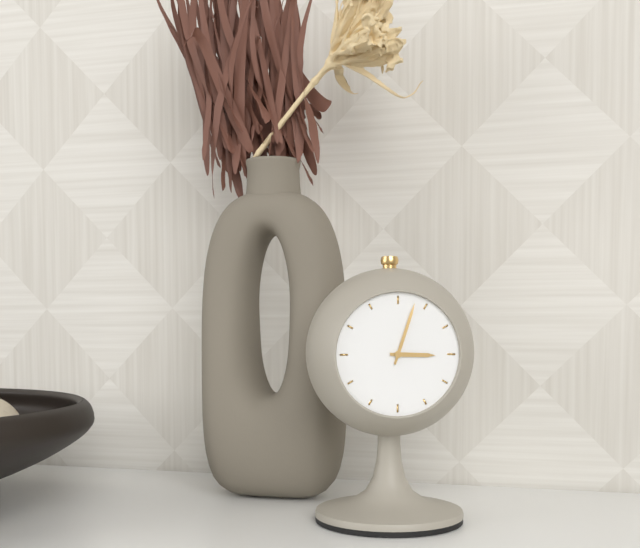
{"hour": 3, "minute": 3}
